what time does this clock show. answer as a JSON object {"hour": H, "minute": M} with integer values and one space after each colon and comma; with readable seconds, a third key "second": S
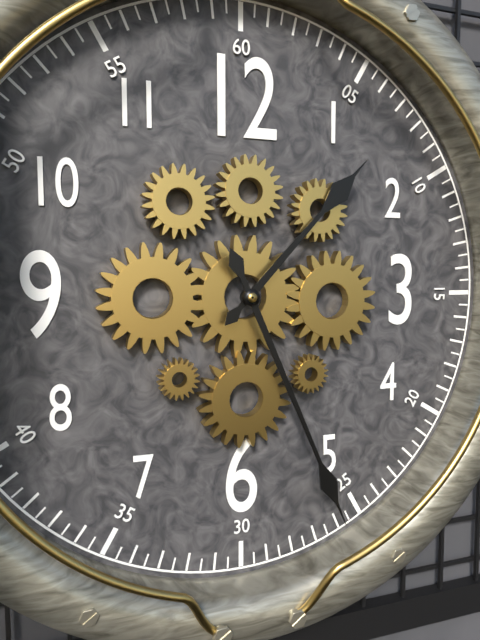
{"hour": 1, "minute": 26}
